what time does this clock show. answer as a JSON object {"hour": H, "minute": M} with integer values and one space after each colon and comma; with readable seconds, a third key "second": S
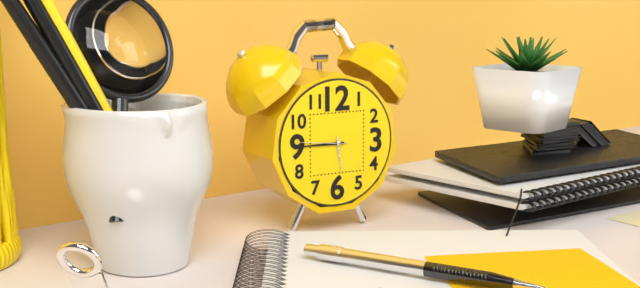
{"hour": 5, "minute": 45, "second": 46}
